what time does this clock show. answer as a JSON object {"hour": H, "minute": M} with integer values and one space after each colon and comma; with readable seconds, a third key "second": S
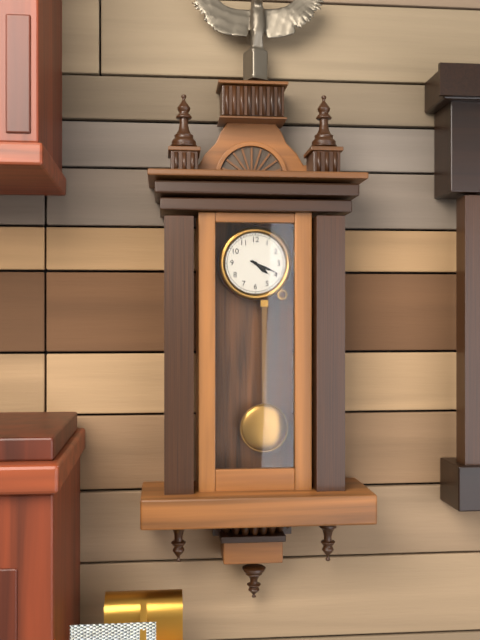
{"hour": 4, "minute": 19}
